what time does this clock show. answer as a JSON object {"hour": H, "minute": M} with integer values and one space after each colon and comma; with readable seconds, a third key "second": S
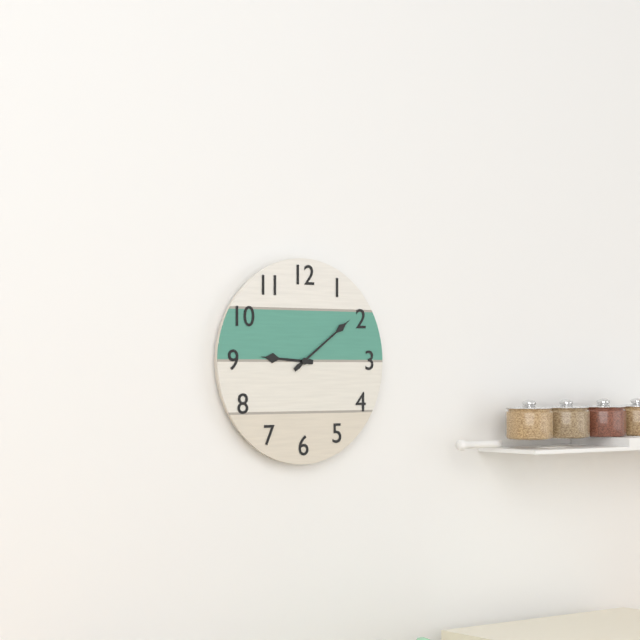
{"hour": 9, "minute": 9}
